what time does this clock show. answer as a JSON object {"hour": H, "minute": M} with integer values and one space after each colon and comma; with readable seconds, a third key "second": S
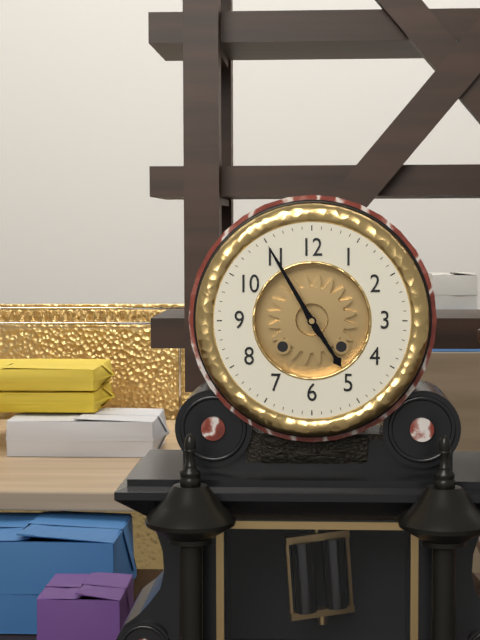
{"hour": 4, "minute": 55}
